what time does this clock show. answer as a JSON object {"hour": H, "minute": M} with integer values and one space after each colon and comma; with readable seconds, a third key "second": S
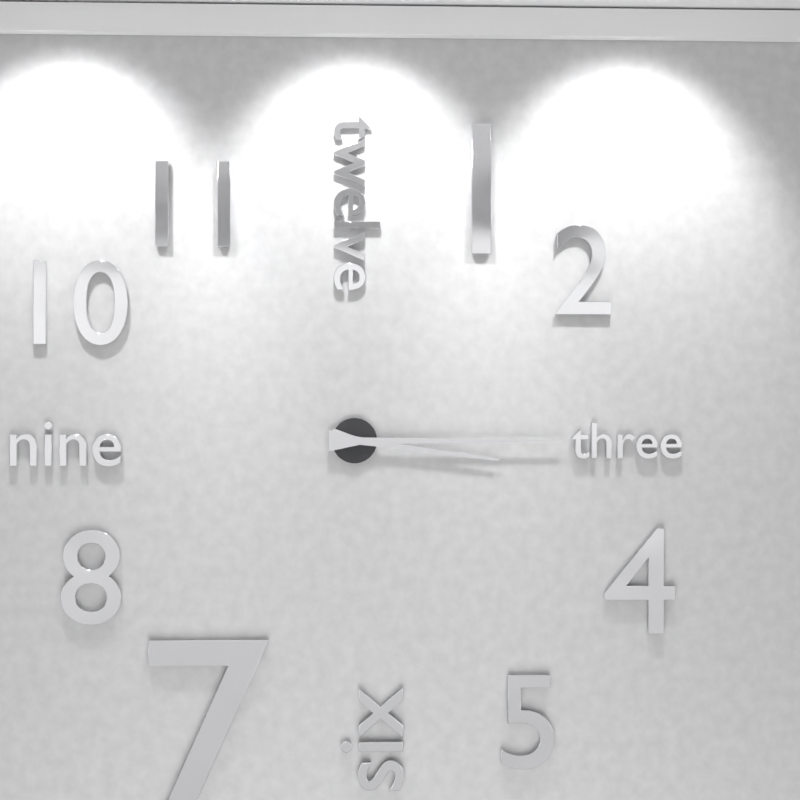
{"hour": 3, "minute": 15}
